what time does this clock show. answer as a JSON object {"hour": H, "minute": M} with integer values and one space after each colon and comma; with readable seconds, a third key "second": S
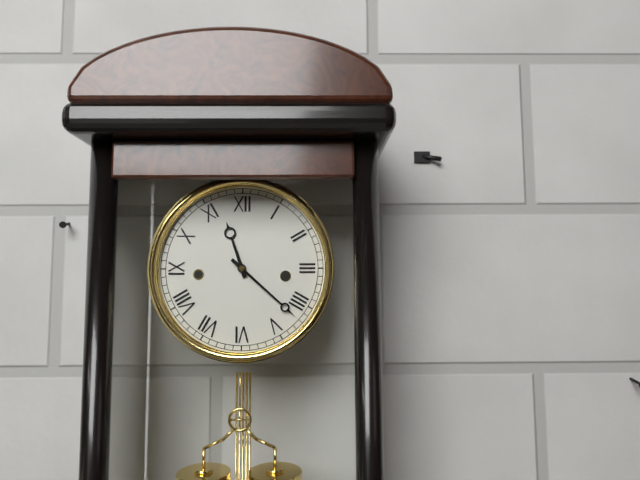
{"hour": 11, "minute": 22}
